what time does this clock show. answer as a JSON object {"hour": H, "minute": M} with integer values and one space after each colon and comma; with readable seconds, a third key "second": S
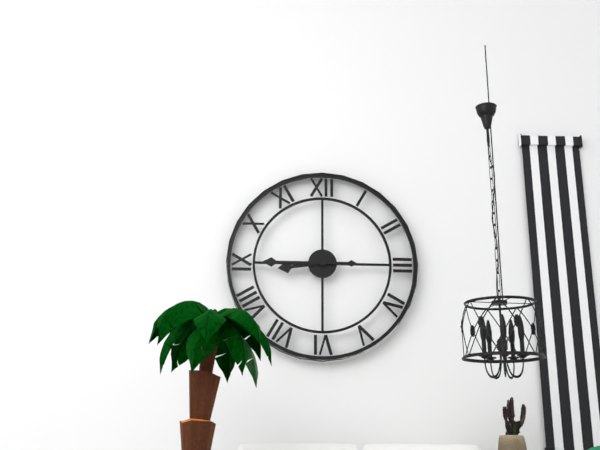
{"hour": 8, "minute": 45}
